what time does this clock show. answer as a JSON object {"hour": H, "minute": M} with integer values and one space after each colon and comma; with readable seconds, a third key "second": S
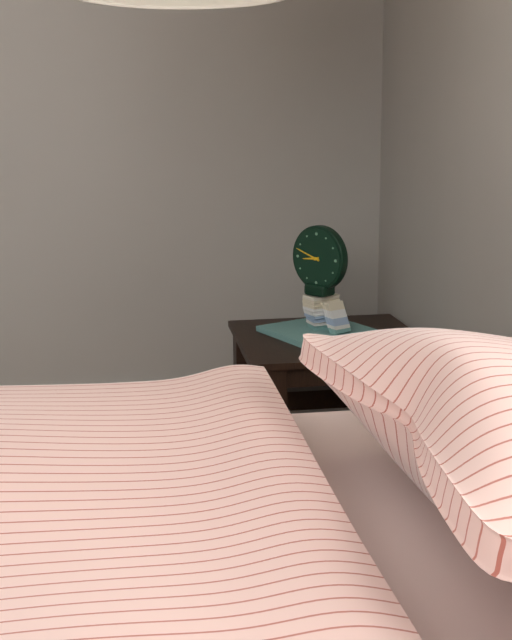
{"hour": 8, "minute": 48}
